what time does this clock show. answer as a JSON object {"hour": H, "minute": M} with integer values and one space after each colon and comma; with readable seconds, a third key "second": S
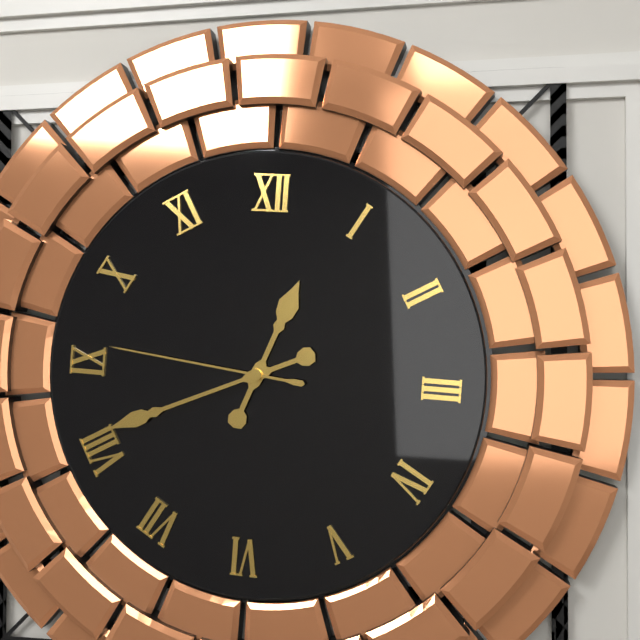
{"hour": 12, "minute": 41, "second": 46}
